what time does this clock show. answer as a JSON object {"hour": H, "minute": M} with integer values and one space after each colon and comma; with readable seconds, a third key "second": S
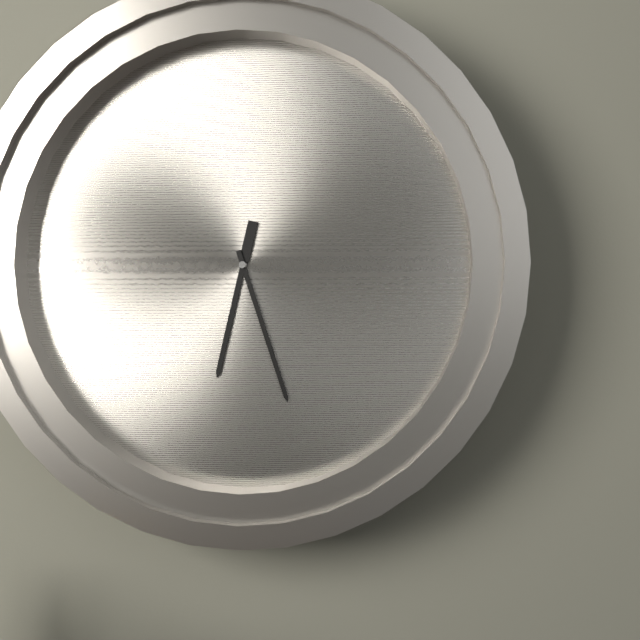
{"hour": 6, "minute": 27}
